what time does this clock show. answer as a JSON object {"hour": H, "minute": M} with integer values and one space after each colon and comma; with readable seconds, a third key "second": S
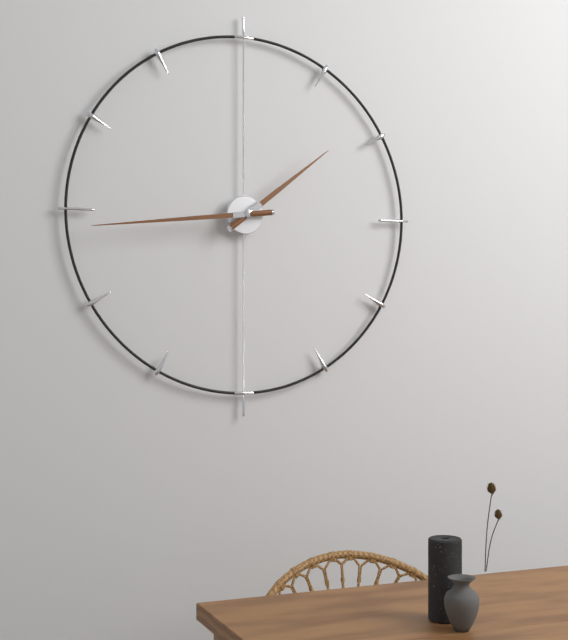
{"hour": 1, "minute": 44}
